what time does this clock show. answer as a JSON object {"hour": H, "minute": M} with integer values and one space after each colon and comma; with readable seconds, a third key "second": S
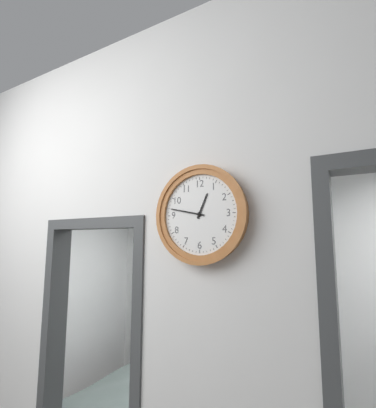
{"hour": 12, "minute": 47}
